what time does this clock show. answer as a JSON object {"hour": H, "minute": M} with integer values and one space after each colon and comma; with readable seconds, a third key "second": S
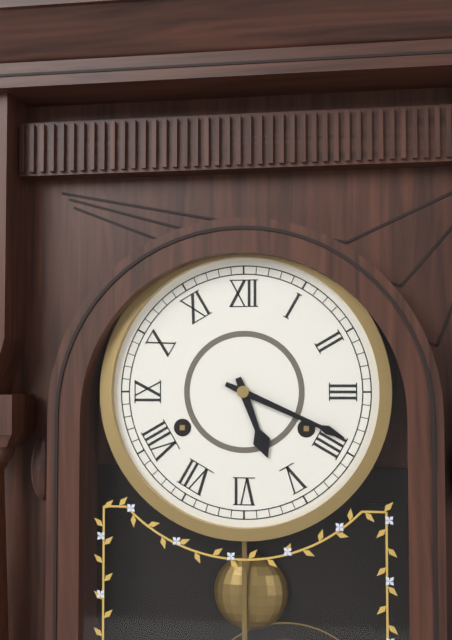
{"hour": 5, "minute": 19}
